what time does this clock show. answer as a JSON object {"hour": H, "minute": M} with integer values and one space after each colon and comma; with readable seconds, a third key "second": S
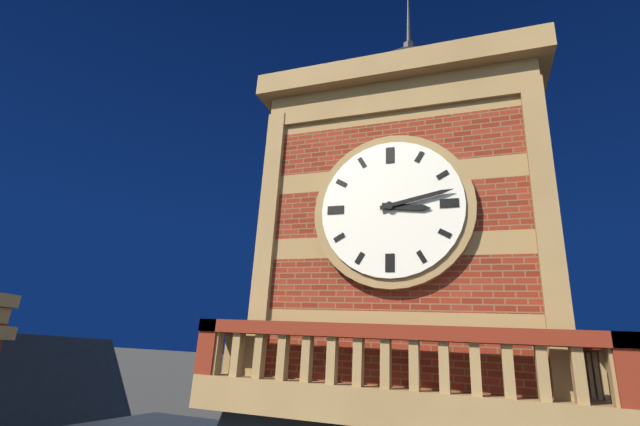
{"hour": 3, "minute": 13}
